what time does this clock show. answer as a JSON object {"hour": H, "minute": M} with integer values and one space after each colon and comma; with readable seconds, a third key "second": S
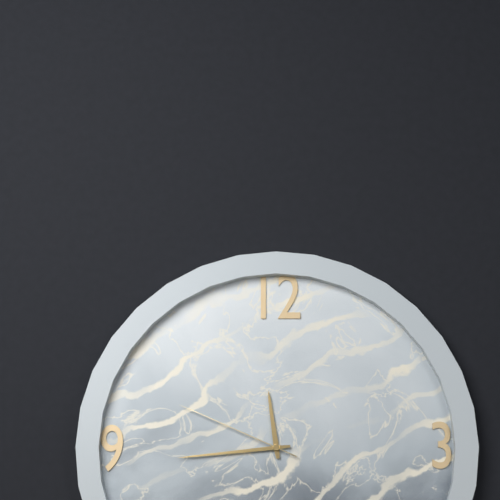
{"hour": 11, "minute": 44, "second": 49}
